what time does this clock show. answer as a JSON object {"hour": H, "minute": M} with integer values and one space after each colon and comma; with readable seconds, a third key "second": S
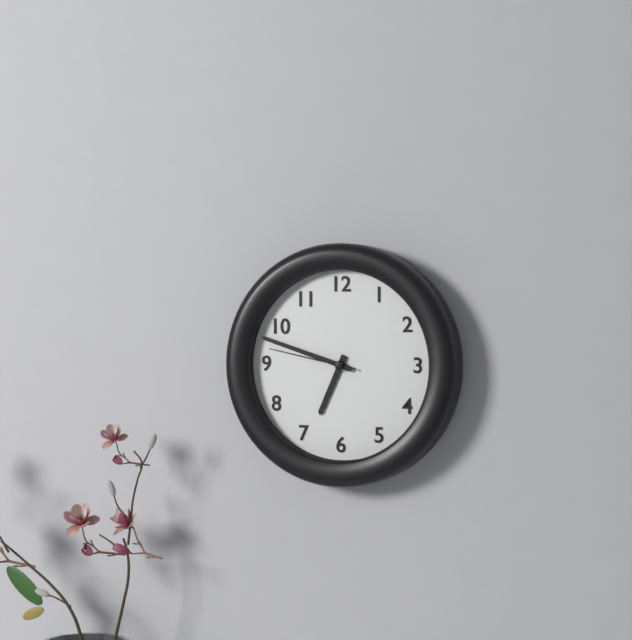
{"hour": 6, "minute": 48, "second": 47}
